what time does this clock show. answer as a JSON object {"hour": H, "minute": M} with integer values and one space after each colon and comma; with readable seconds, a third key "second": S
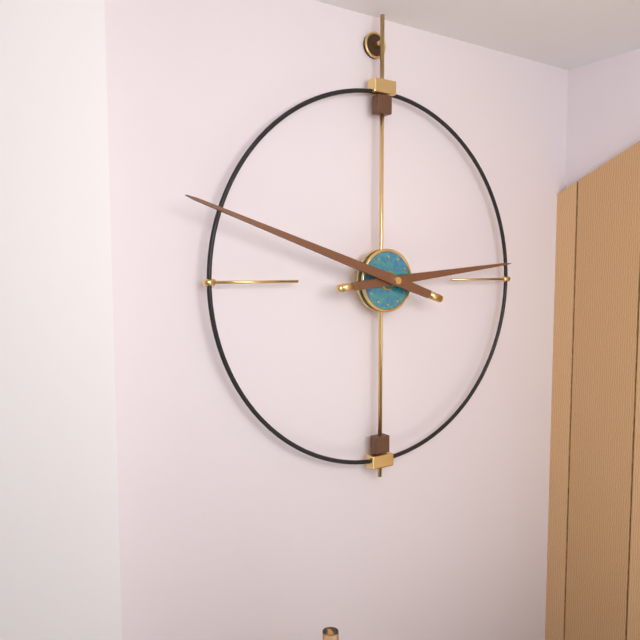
{"hour": 2, "minute": 48}
